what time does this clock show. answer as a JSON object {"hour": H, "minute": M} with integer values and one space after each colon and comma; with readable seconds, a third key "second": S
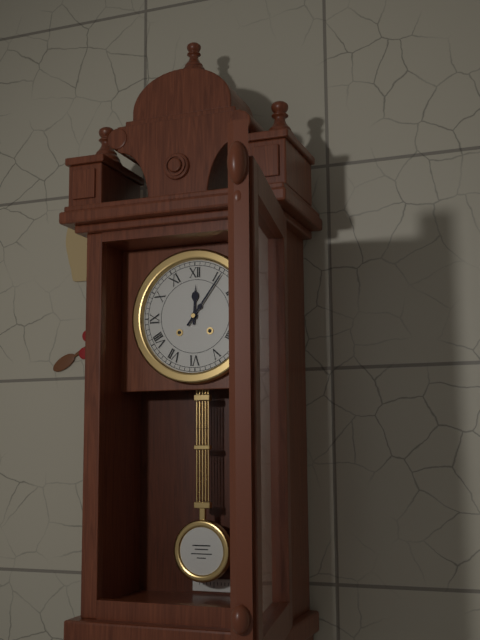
{"hour": 12, "minute": 6}
